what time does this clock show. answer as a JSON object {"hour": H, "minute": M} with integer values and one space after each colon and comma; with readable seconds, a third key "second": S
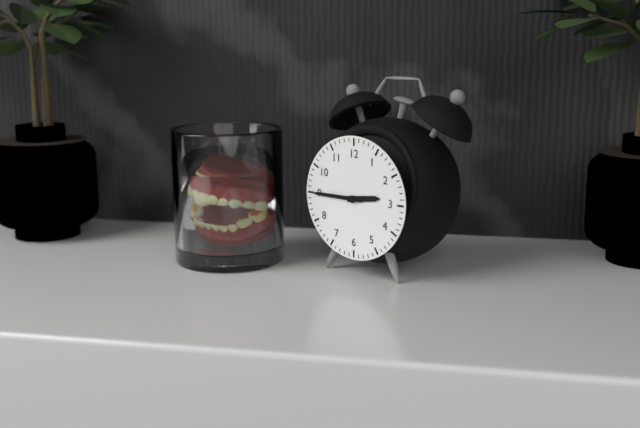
{"hour": 2, "minute": 45}
